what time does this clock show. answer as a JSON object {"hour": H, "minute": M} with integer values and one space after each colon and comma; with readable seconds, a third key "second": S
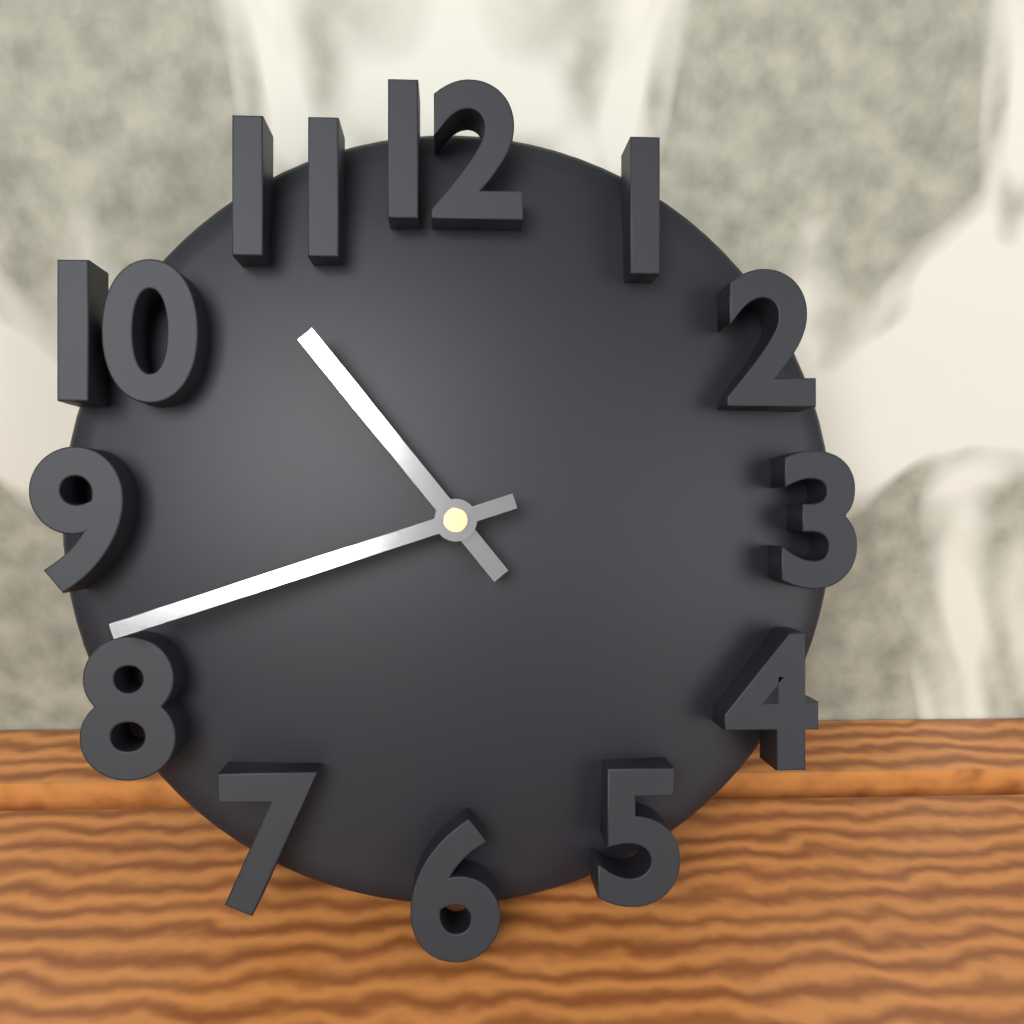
{"hour": 10, "minute": 42}
